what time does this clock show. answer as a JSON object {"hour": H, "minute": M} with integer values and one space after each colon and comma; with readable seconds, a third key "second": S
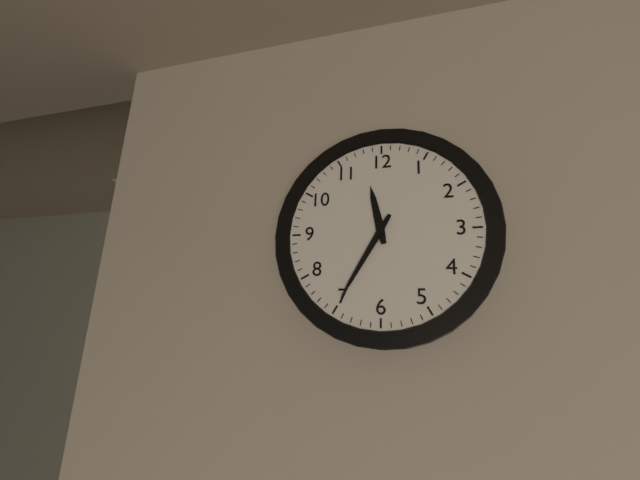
{"hour": 11, "minute": 35}
